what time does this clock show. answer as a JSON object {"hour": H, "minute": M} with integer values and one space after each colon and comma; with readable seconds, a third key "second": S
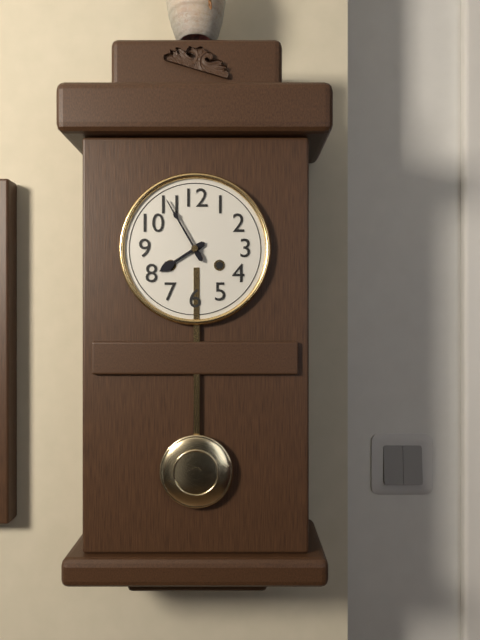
{"hour": 7, "minute": 55}
